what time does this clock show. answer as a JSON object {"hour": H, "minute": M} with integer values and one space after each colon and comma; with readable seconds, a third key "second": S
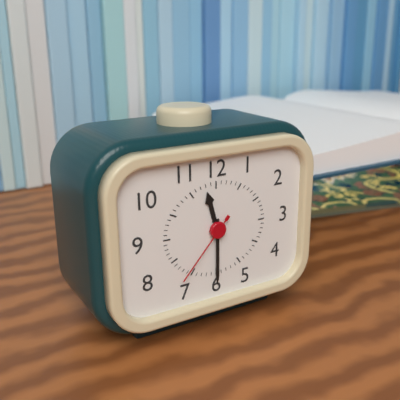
{"hour": 11, "minute": 30, "second": 37}
